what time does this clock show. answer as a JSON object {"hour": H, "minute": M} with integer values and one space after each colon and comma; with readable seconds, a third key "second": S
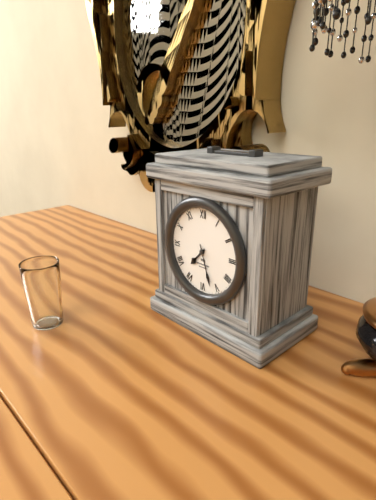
{"hour": 7, "minute": 27}
